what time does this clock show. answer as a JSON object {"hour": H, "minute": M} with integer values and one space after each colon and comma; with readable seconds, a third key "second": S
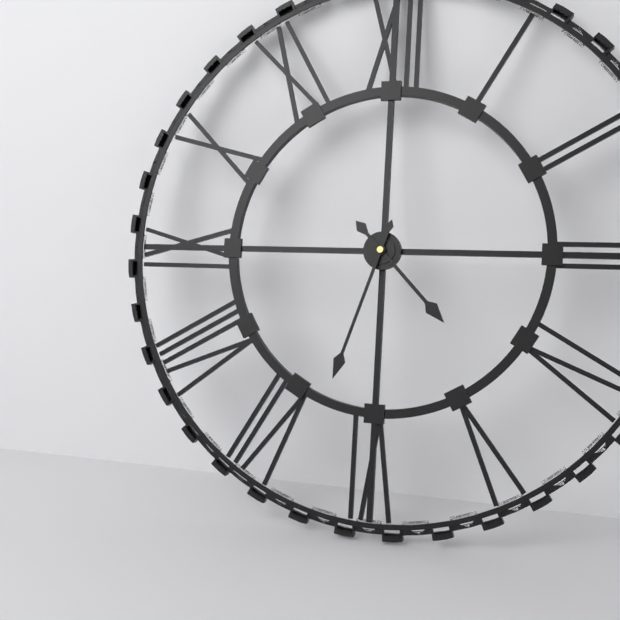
{"hour": 4, "minute": 33}
